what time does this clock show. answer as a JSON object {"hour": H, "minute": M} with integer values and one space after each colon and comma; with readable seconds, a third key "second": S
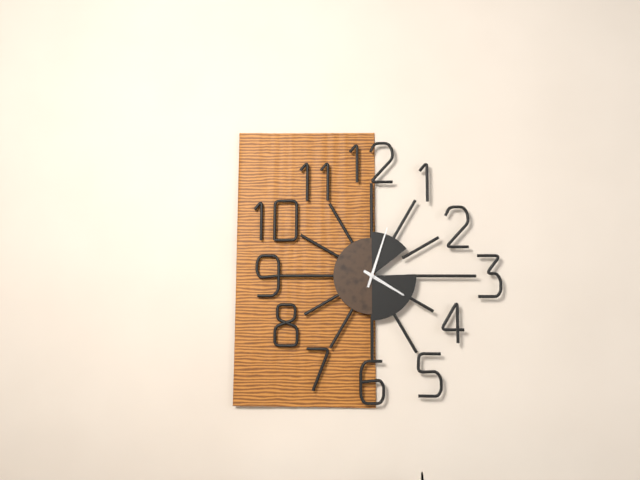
{"hour": 4, "minute": 3}
